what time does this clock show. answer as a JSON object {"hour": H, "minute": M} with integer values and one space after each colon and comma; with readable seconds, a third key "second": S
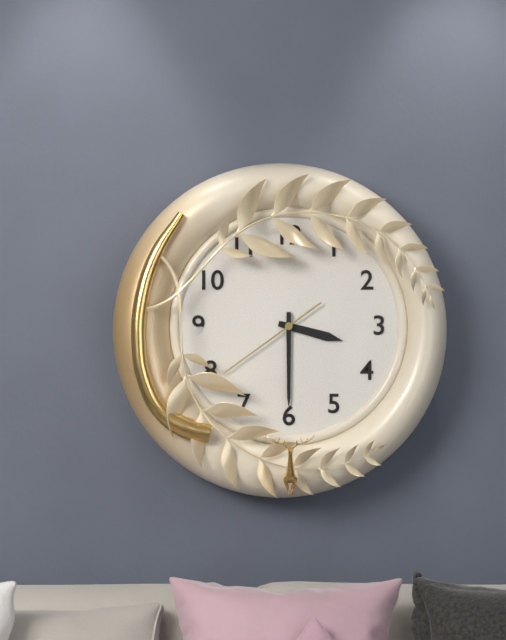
{"hour": 3, "minute": 30, "second": 39}
